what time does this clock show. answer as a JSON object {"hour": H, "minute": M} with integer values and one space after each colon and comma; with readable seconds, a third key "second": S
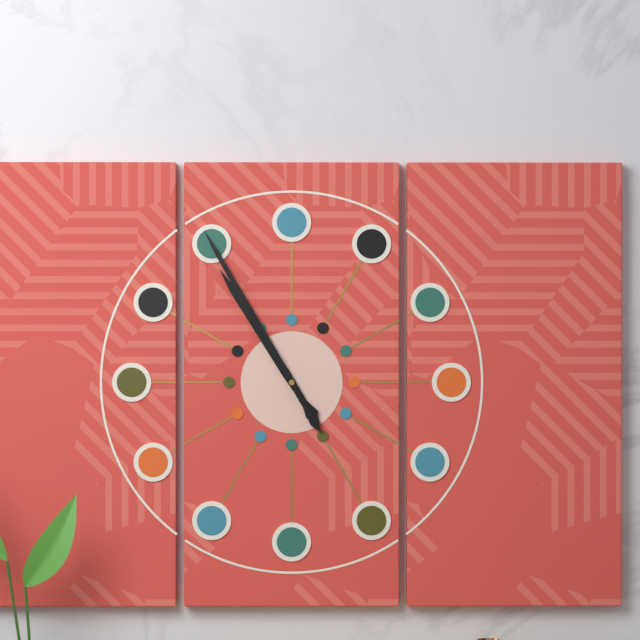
{"hour": 10, "minute": 55}
